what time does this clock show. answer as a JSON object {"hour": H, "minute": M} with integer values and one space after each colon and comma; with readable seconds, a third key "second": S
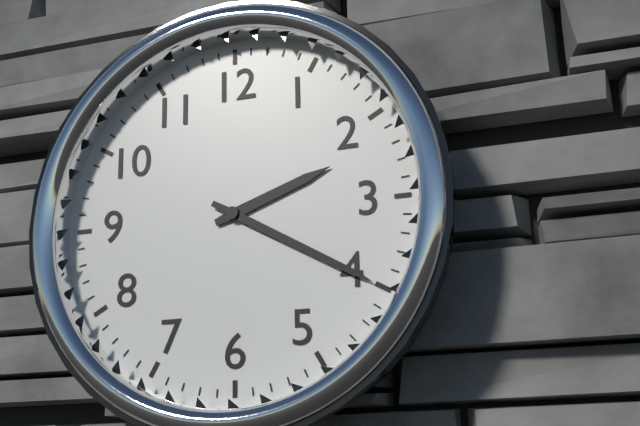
{"hour": 2, "minute": 20}
